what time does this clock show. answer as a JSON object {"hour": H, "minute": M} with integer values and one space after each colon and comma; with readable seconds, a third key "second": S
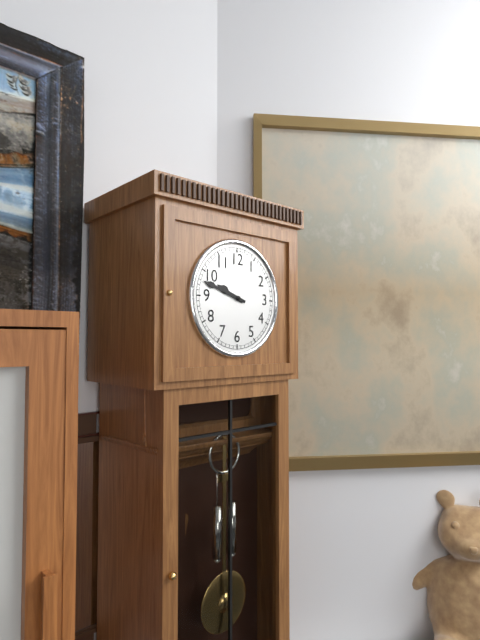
{"hour": 9, "minute": 48}
